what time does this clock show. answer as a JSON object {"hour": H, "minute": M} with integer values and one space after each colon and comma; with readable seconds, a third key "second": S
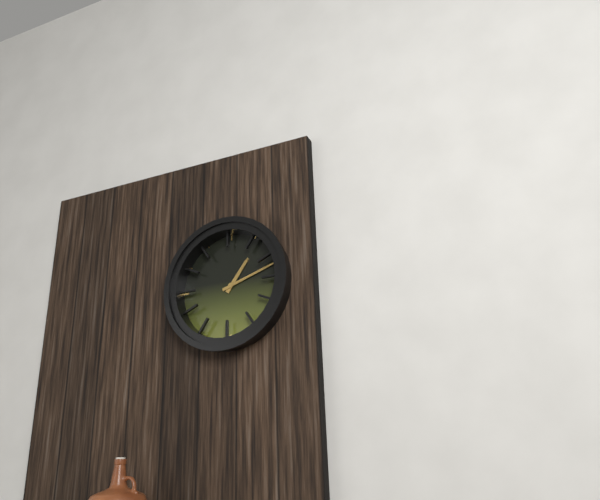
{"hour": 1, "minute": 12}
